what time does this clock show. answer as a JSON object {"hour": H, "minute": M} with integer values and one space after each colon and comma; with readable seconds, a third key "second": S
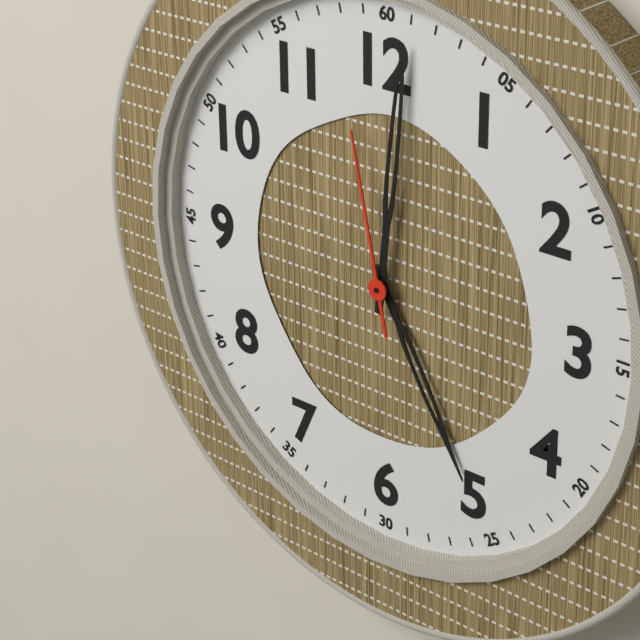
{"hour": 5, "minute": 1, "second": 58}
